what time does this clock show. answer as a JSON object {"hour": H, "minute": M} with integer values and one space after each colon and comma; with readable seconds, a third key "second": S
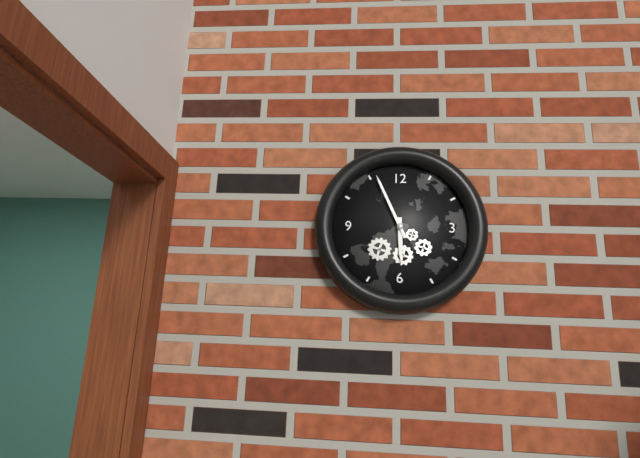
{"hour": 5, "minute": 56}
